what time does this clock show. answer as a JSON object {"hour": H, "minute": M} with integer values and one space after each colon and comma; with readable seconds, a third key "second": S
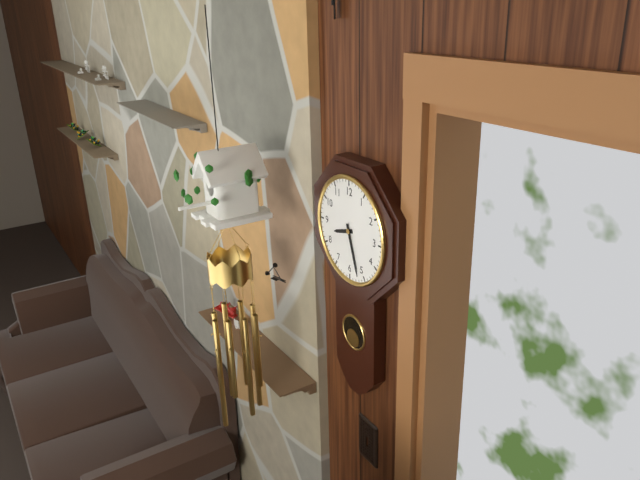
{"hour": 8, "minute": 27}
